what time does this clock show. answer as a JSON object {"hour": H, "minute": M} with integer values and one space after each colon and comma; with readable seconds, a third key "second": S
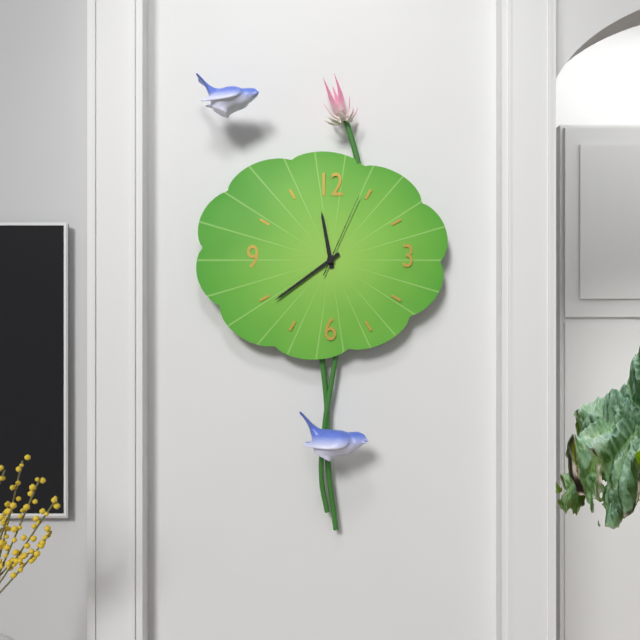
{"hour": 11, "minute": 39, "second": 4}
